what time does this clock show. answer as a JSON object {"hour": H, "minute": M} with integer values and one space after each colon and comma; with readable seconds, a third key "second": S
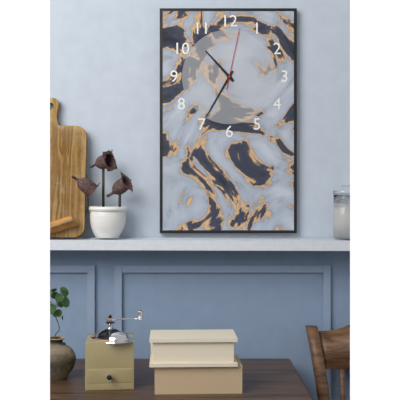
{"hour": 10, "minute": 35, "second": 2}
